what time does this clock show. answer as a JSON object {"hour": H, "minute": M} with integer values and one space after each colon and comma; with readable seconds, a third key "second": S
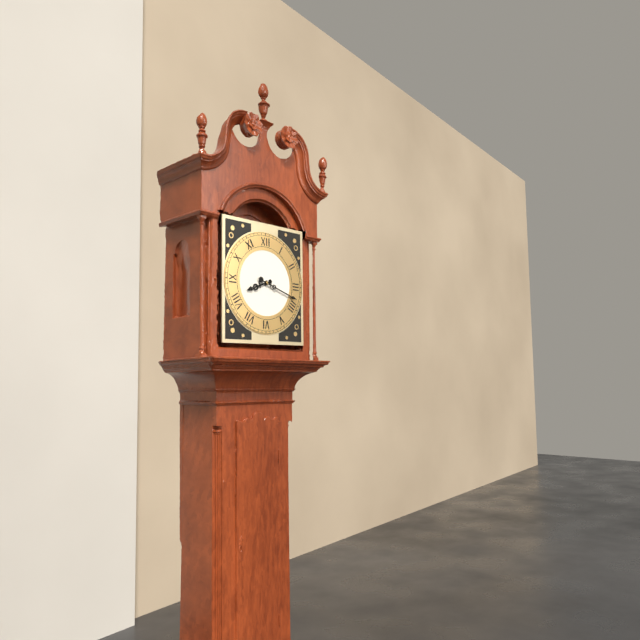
{"hour": 8, "minute": 18}
